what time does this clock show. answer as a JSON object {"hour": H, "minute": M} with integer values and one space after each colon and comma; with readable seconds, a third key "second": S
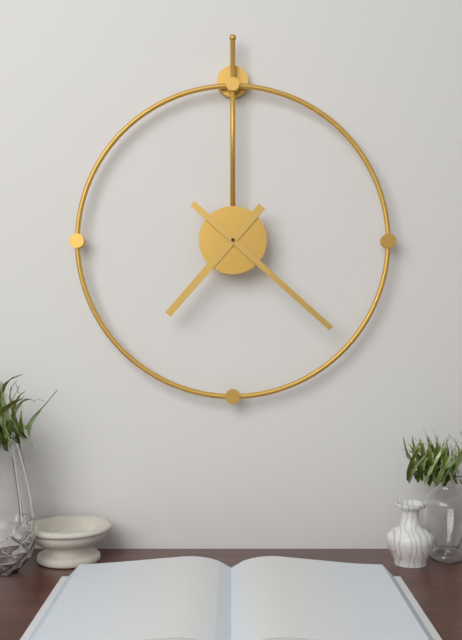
{"hour": 7, "minute": 22}
